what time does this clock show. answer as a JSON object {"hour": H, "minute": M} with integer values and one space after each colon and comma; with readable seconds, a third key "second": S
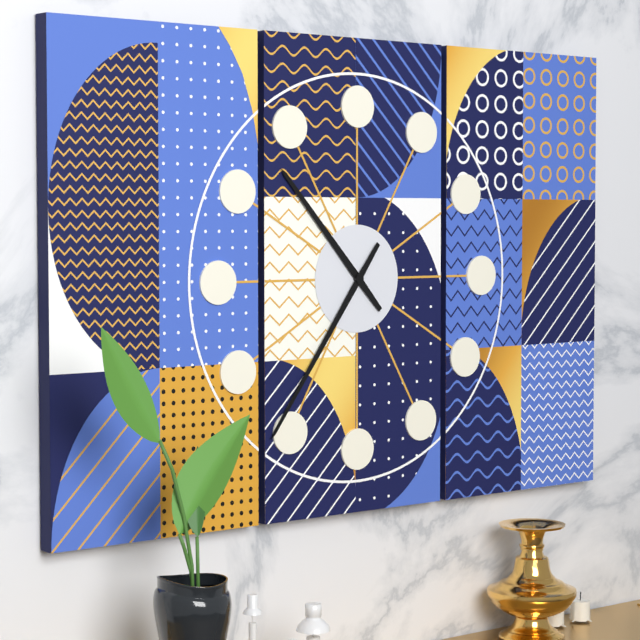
{"hour": 10, "minute": 36}
